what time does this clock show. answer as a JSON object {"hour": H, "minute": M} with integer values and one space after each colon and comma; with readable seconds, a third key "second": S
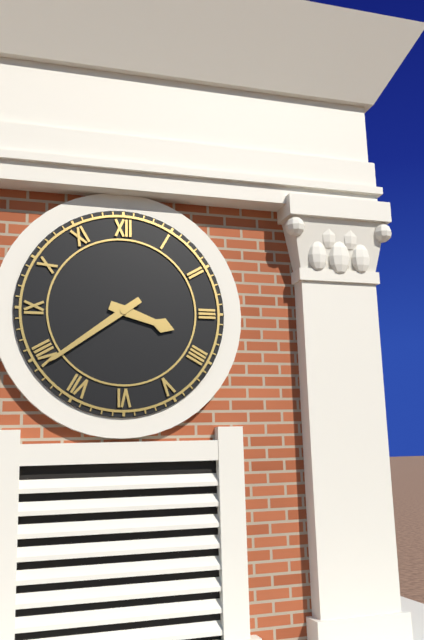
{"hour": 3, "minute": 39}
